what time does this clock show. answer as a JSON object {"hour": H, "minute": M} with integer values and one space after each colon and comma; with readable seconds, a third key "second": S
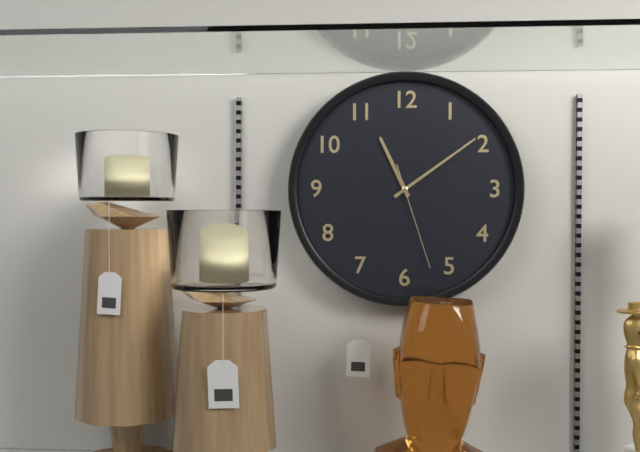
{"hour": 11, "minute": 9, "second": 27}
